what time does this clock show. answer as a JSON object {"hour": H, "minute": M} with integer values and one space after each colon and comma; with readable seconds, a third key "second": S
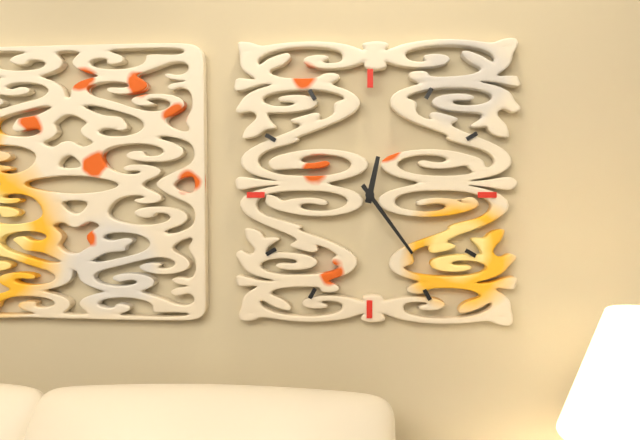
{"hour": 12, "minute": 24}
